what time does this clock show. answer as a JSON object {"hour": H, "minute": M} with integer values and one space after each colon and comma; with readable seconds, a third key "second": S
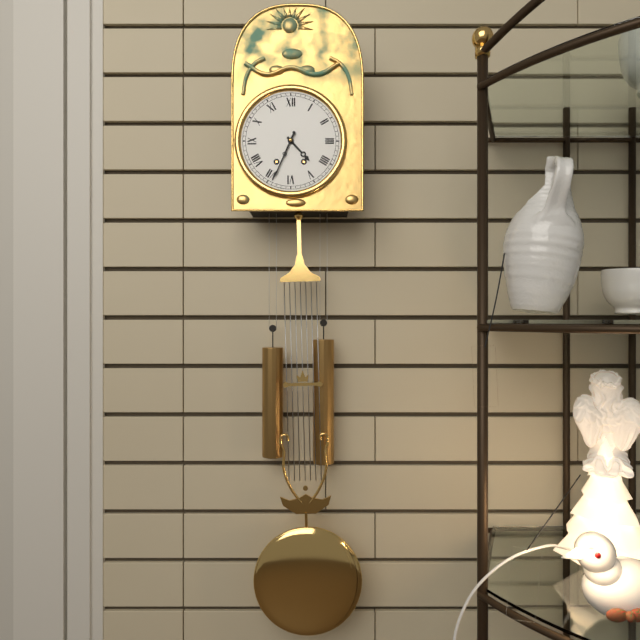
{"hour": 4, "minute": 34}
